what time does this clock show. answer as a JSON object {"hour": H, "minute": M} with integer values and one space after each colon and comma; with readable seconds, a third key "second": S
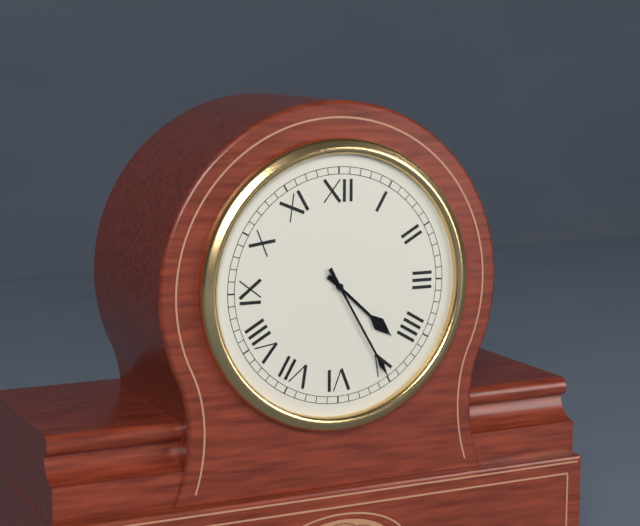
{"hour": 4, "minute": 25}
